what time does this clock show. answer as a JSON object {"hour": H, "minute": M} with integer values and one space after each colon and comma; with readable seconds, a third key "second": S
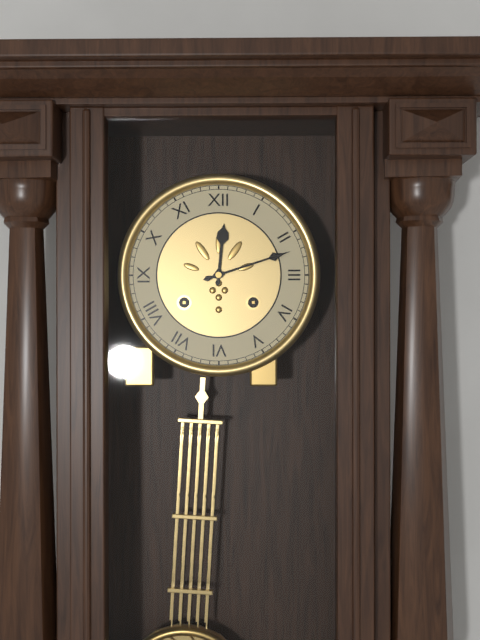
{"hour": 12, "minute": 12}
